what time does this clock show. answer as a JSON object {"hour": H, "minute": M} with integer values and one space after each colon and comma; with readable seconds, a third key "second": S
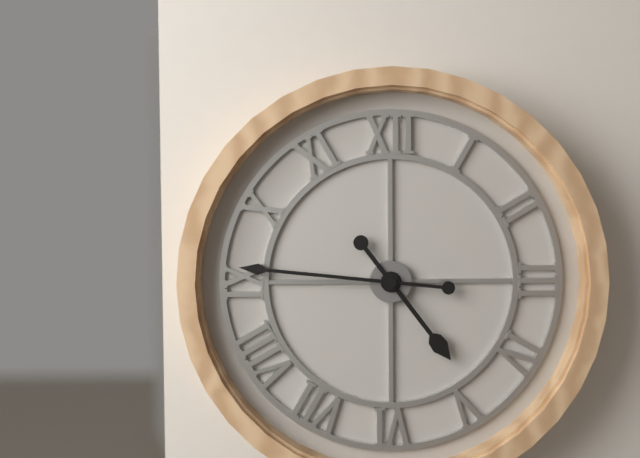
{"hour": 4, "minute": 46}
